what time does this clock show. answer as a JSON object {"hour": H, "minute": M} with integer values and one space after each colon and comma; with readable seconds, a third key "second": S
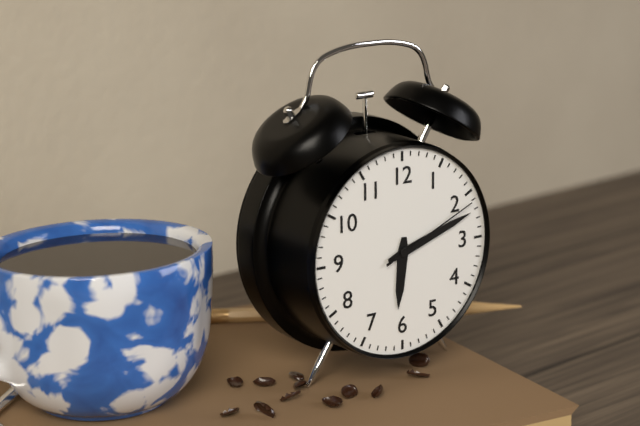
{"hour": 6, "minute": 12, "second": 11}
